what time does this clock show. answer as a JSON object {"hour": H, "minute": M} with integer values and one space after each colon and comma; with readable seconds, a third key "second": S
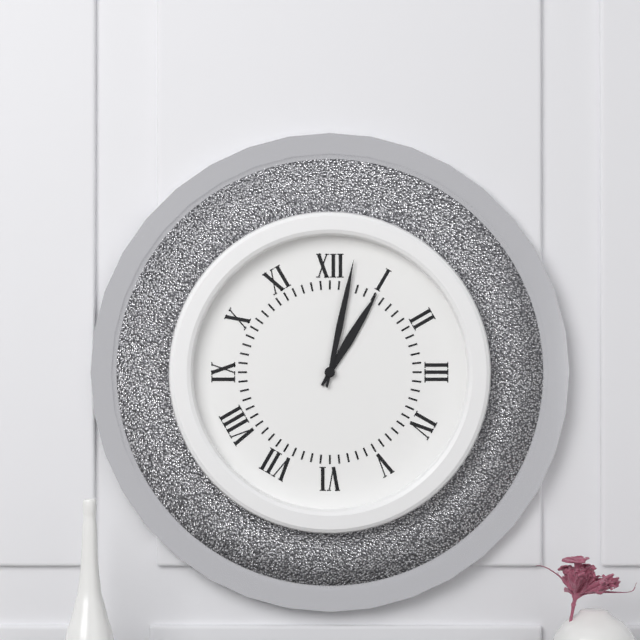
{"hour": 1, "minute": 2}
